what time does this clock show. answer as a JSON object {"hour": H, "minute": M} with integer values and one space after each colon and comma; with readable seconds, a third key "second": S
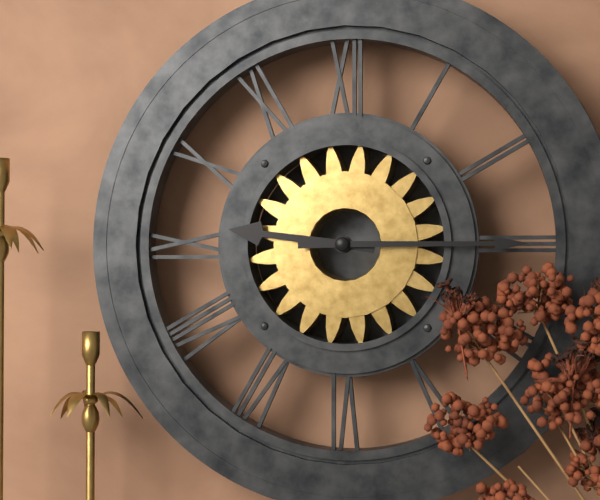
{"hour": 9, "minute": 15}
